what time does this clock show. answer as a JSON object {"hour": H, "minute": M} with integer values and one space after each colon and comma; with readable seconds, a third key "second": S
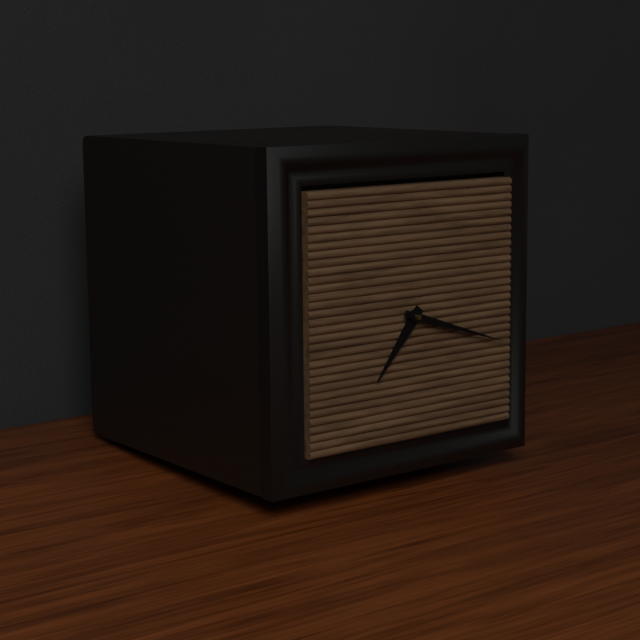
{"hour": 7, "minute": 18}
